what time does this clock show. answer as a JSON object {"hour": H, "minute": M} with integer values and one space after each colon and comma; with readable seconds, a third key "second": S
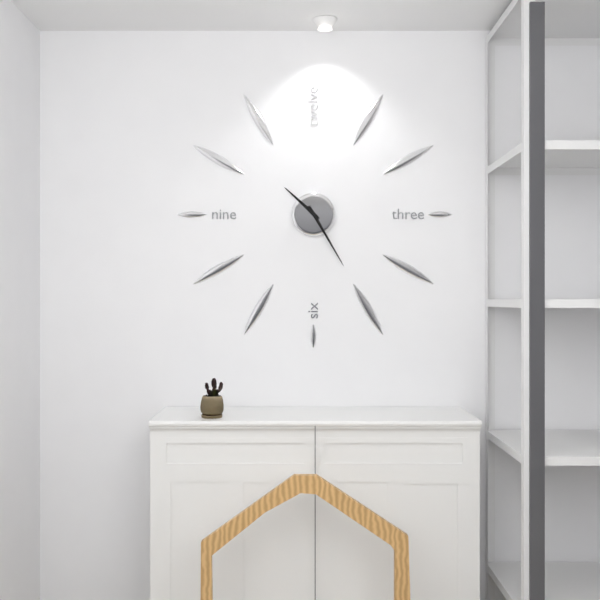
{"hour": 10, "minute": 25}
